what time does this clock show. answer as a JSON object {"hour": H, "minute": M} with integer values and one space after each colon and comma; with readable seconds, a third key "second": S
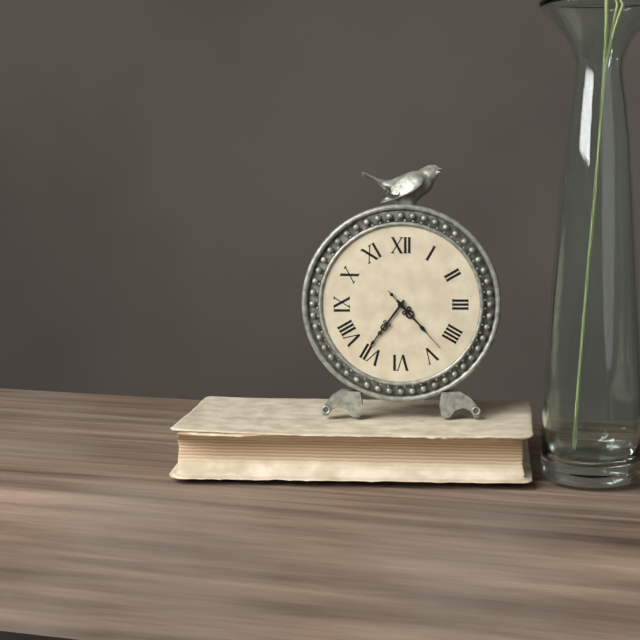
{"hour": 4, "minute": 36, "second": 23}
